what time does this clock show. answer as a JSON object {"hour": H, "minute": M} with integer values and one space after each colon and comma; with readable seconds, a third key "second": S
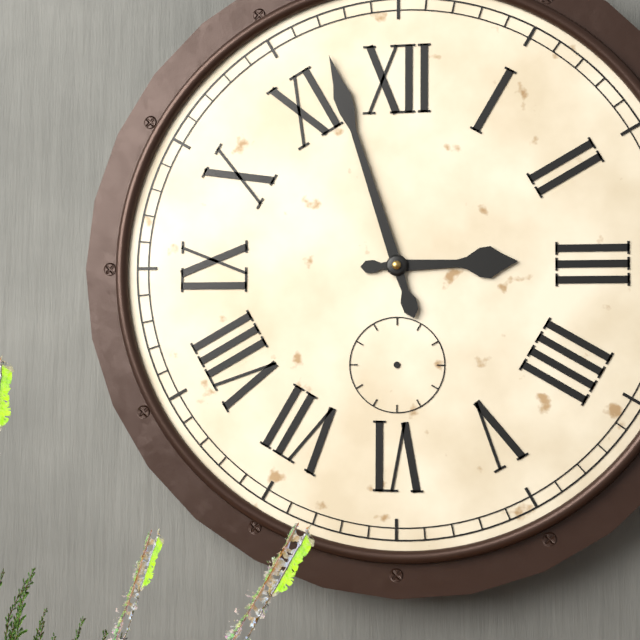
{"hour": 2, "minute": 57}
